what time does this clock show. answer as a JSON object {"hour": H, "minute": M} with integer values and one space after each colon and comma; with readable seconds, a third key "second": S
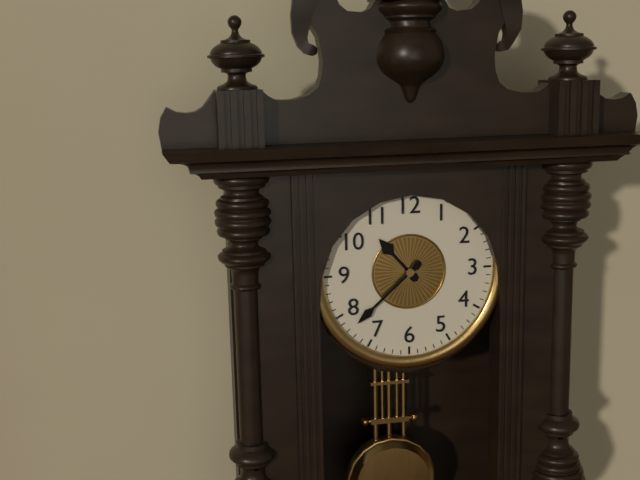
{"hour": 10, "minute": 38}
